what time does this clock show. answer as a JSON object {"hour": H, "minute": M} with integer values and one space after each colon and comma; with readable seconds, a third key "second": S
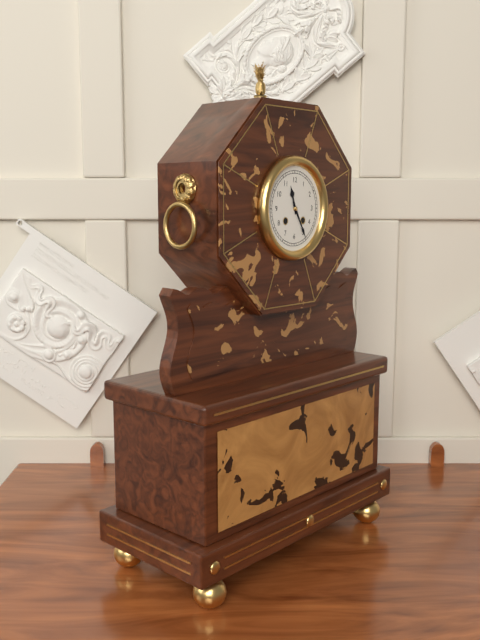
{"hour": 11, "minute": 25}
